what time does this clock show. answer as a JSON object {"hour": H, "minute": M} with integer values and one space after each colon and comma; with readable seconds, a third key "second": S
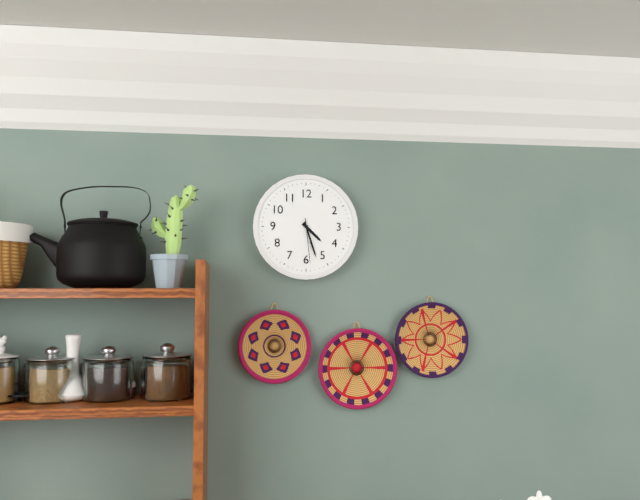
{"hour": 4, "minute": 27}
